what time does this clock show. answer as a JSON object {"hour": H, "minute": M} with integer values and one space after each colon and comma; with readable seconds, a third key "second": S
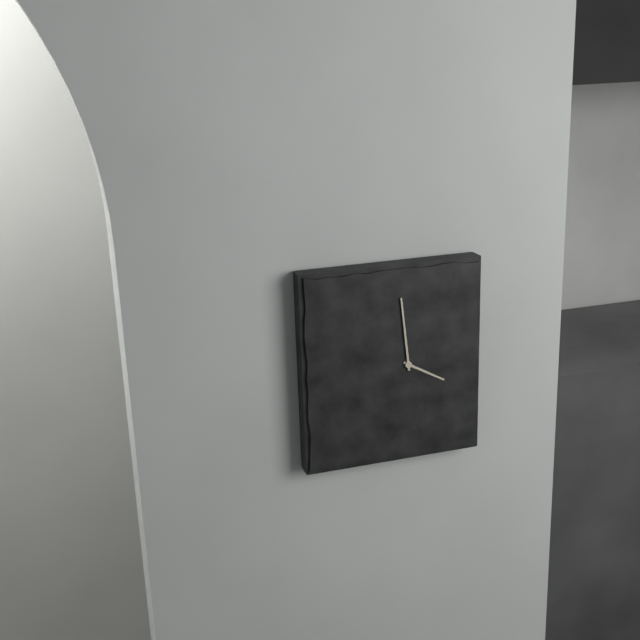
{"hour": 3, "minute": 59}
